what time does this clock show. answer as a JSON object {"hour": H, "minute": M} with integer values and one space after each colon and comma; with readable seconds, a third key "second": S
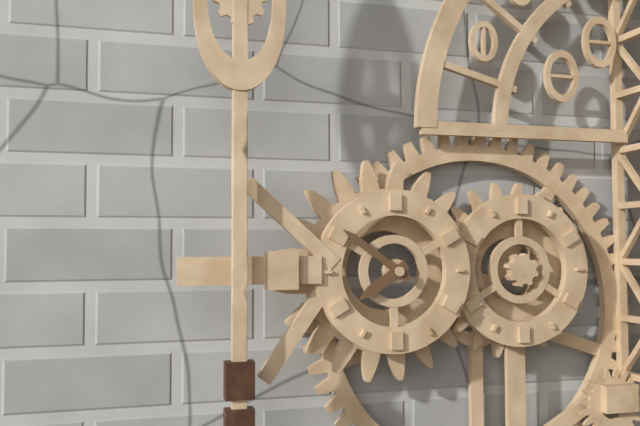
{"hour": 7, "minute": 51}
